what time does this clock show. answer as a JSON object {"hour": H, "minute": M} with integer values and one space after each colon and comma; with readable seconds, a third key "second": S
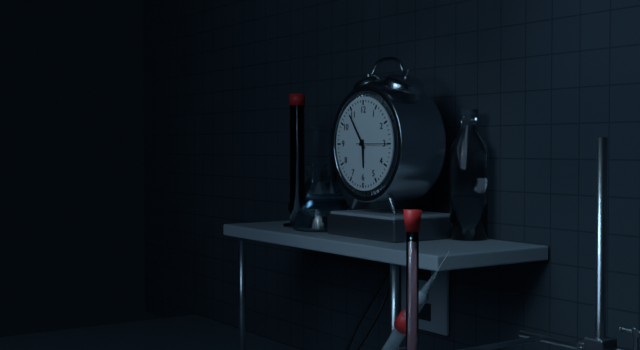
{"hour": 5, "minute": 54}
